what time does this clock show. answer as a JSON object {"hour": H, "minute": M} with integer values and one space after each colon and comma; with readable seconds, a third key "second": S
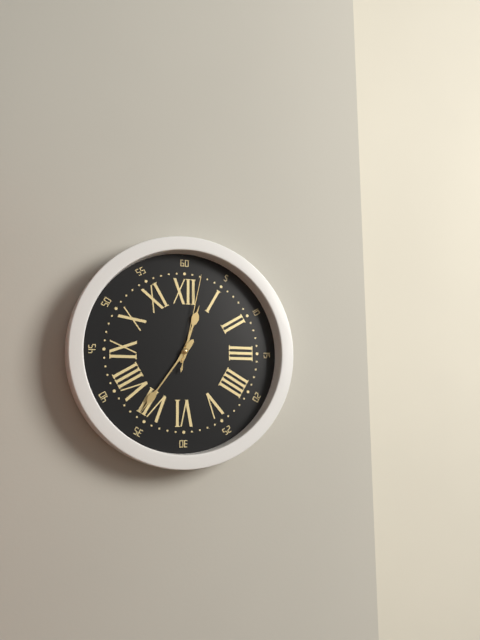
{"hour": 12, "minute": 36, "second": 2}
